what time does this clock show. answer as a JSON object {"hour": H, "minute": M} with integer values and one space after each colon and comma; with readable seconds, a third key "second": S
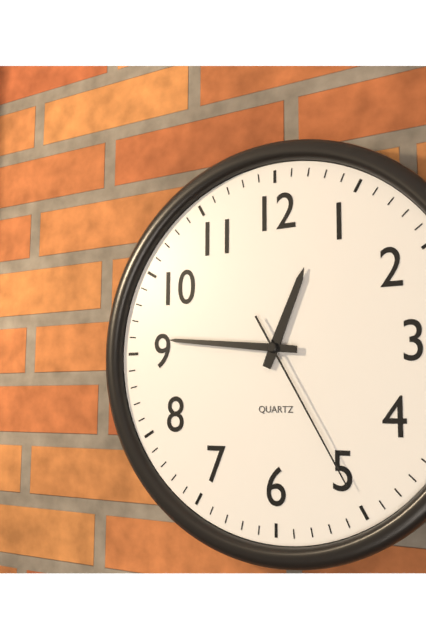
{"hour": 12, "minute": 46, "second": 25}
